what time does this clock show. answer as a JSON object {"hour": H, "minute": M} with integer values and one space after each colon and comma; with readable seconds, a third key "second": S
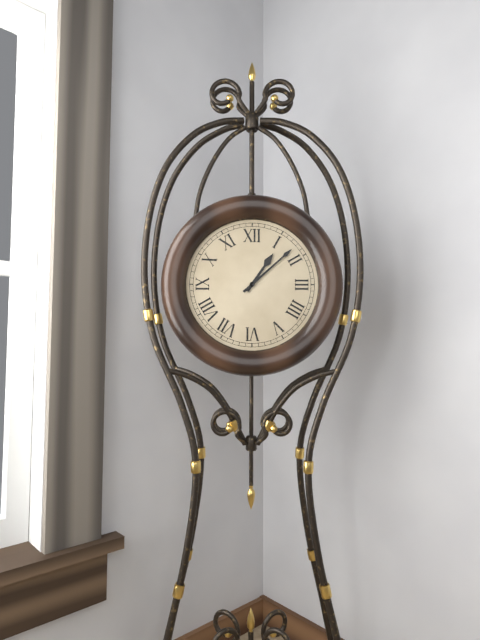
{"hour": 1, "minute": 8}
